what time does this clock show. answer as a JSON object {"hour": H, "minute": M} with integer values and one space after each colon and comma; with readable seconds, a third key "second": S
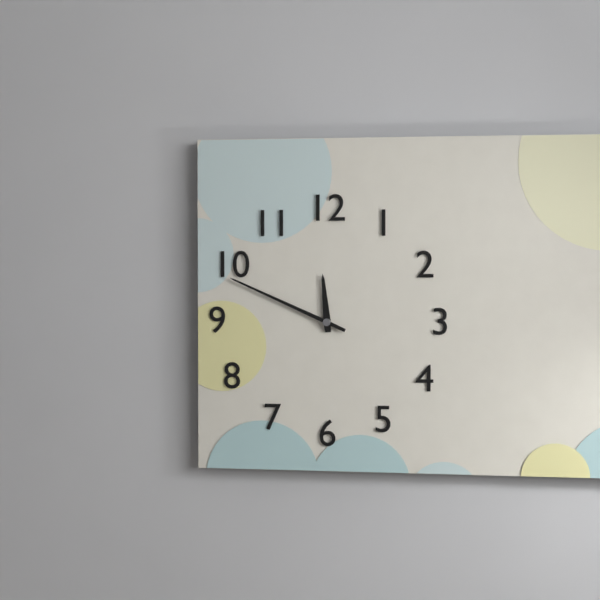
{"hour": 11, "minute": 49}
